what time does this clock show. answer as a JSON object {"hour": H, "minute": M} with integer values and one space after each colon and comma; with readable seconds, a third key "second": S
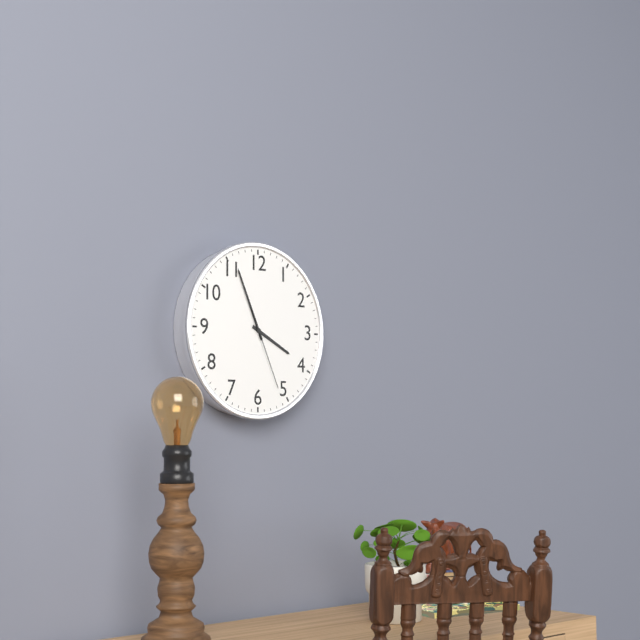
{"hour": 3, "minute": 56, "second": 26}
